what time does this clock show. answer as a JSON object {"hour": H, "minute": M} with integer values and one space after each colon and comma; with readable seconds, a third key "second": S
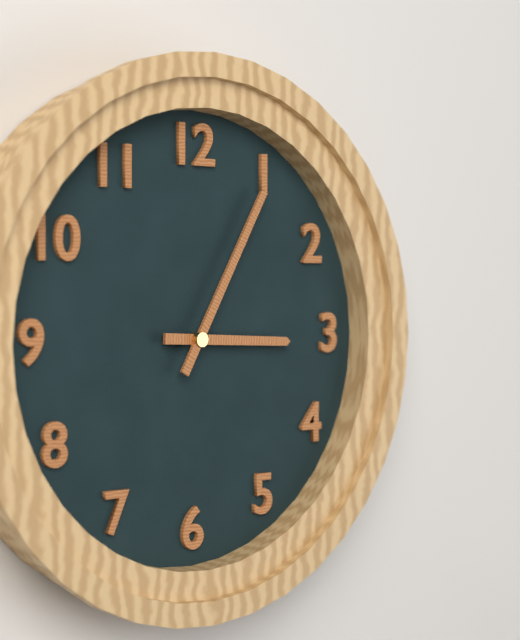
{"hour": 3, "minute": 5}
